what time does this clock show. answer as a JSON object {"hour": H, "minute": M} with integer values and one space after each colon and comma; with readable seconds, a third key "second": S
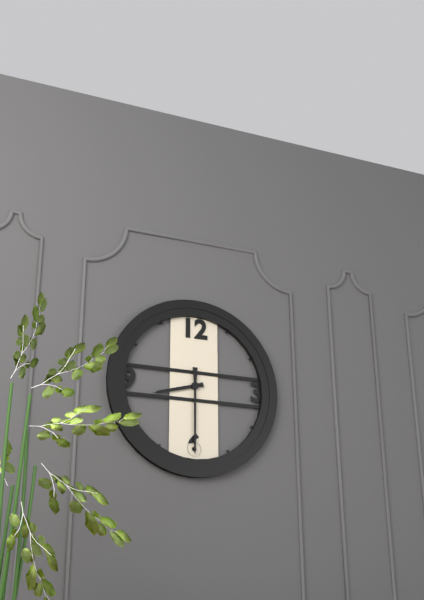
{"hour": 8, "minute": 30}
